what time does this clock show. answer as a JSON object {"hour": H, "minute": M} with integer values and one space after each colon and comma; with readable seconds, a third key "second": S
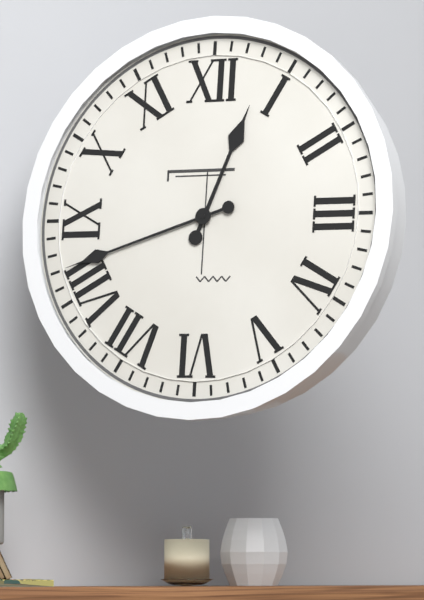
{"hour": 12, "minute": 42}
